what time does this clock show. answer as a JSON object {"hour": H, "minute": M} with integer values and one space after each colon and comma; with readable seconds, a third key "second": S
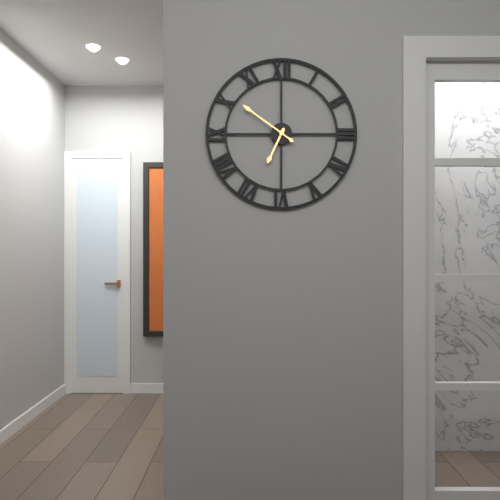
{"hour": 6, "minute": 51}
